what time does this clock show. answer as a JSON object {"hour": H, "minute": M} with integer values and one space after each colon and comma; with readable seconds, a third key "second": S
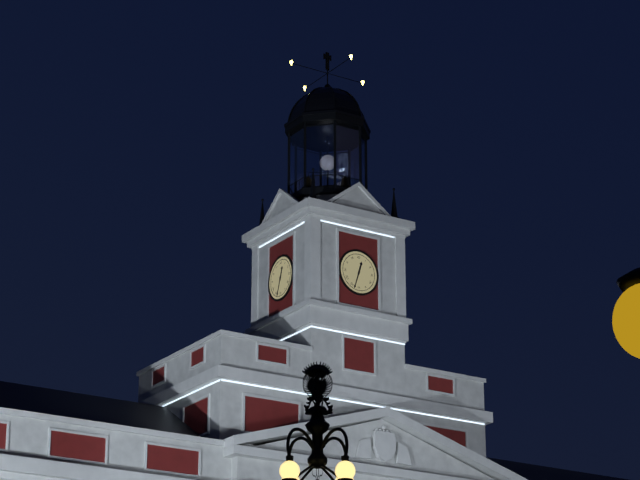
{"hour": 12, "minute": 33}
